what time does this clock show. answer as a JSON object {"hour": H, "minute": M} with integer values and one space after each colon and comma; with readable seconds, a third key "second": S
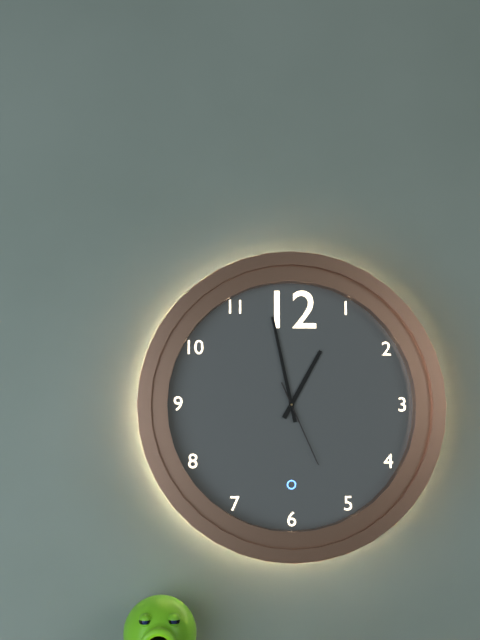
{"hour": 12, "minute": 58, "second": 26}
